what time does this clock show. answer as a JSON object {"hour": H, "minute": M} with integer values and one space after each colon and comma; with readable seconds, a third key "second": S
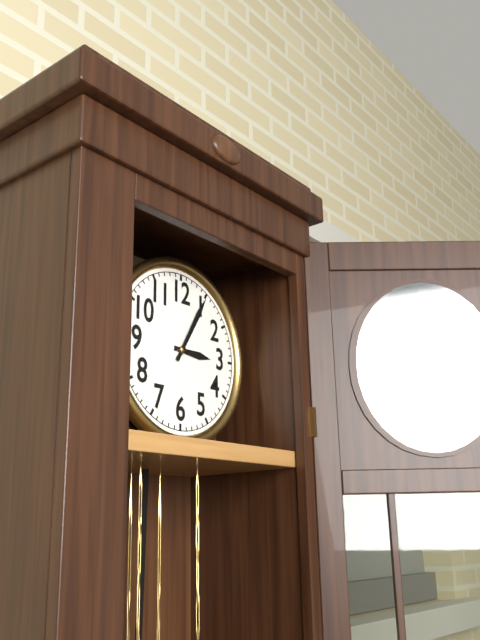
{"hour": 3, "minute": 5}
